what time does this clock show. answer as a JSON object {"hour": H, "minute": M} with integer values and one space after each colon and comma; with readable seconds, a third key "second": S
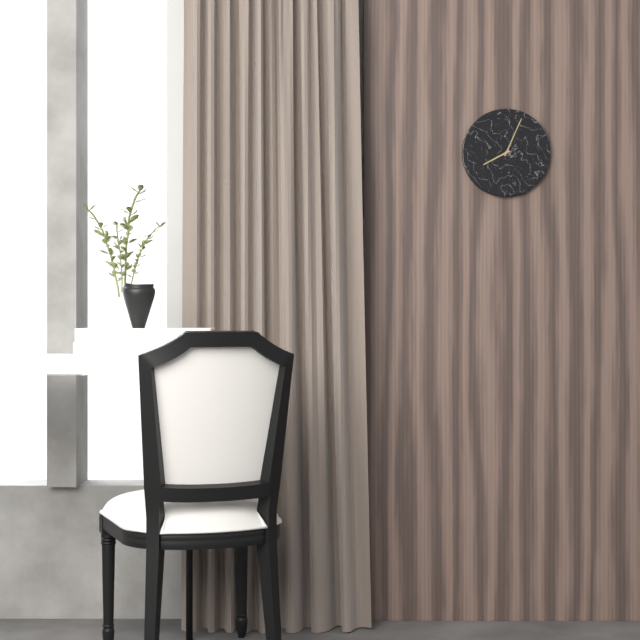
{"hour": 8, "minute": 4}
